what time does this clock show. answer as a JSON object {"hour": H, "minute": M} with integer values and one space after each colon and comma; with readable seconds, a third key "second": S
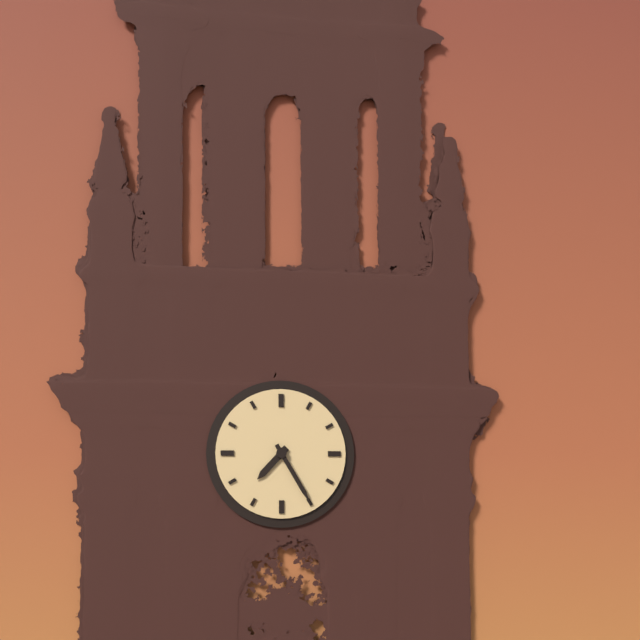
{"hour": 7, "minute": 25}
